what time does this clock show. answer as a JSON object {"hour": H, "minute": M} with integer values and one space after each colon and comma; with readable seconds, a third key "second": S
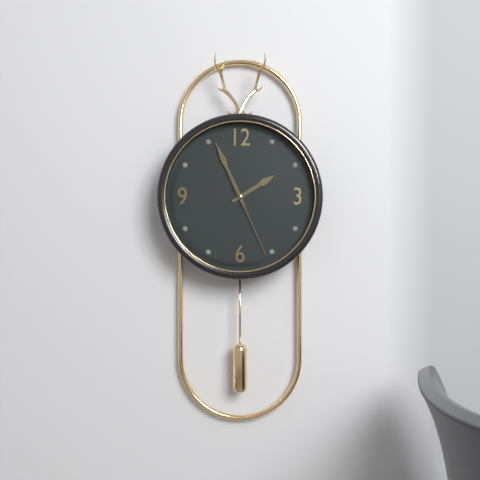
{"hour": 1, "minute": 56, "second": 26}
